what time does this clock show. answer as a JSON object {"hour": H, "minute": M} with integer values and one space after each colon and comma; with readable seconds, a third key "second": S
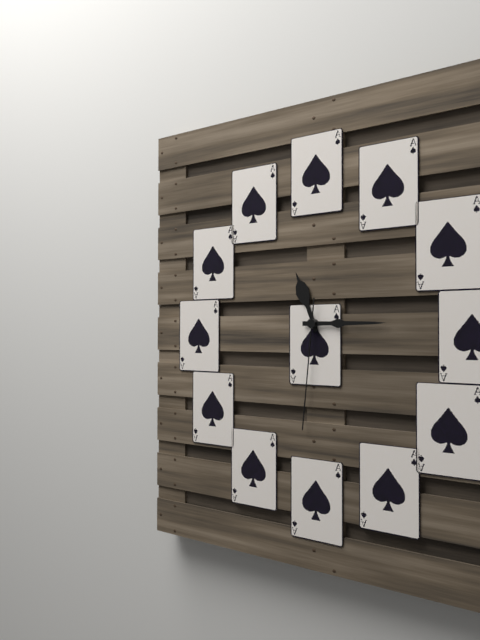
{"hour": 11, "minute": 15, "second": 31}
